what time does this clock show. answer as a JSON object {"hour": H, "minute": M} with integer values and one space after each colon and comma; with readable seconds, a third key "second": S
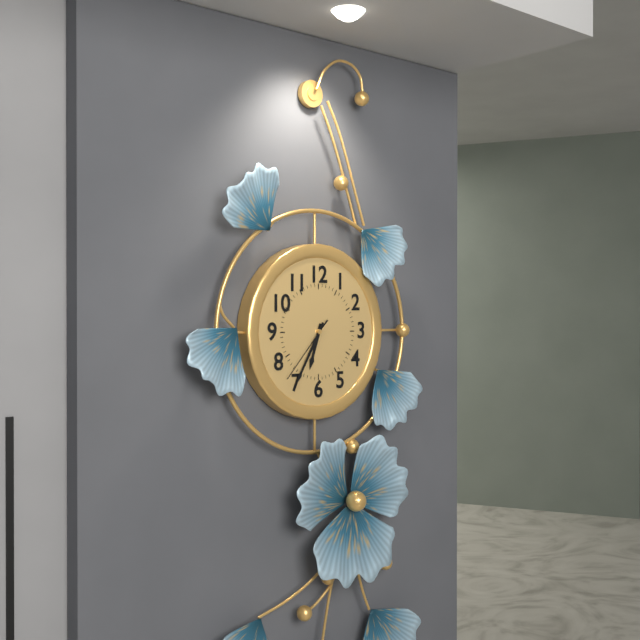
{"hour": 6, "minute": 35, "second": 37}
